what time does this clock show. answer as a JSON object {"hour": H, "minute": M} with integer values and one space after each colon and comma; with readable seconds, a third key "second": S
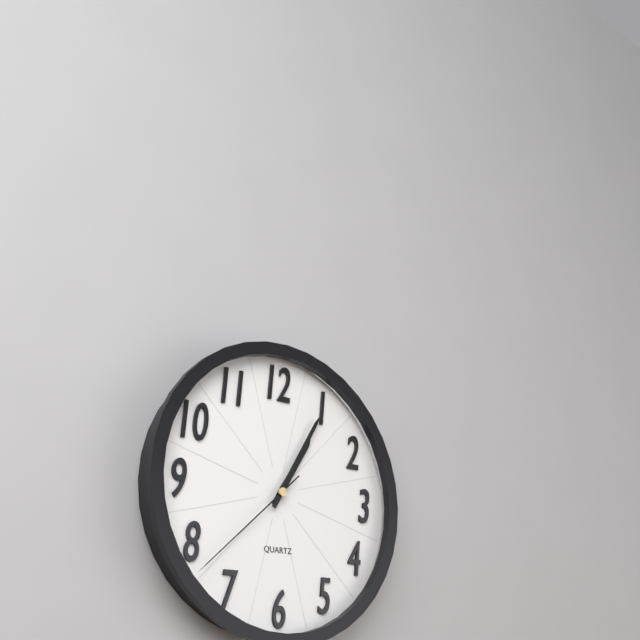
{"hour": 1, "minute": 5, "second": 38}
